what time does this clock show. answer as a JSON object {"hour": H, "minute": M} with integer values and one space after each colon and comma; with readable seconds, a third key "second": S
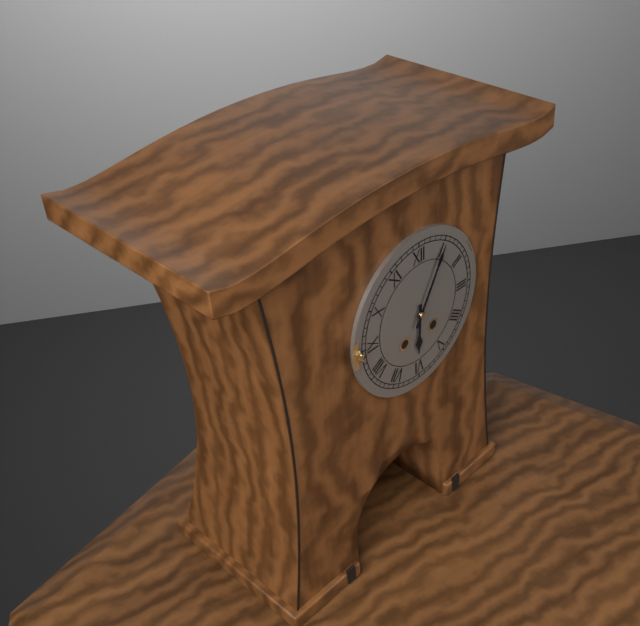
{"hour": 6, "minute": 5}
